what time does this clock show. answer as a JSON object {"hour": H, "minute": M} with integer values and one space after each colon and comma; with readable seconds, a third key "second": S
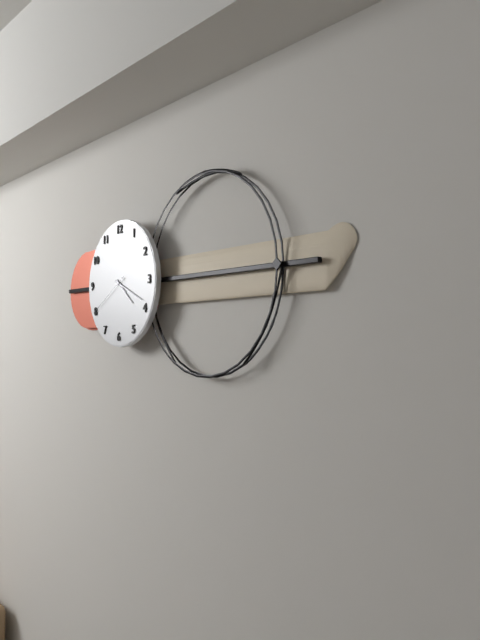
{"hour": 4, "minute": 19}
